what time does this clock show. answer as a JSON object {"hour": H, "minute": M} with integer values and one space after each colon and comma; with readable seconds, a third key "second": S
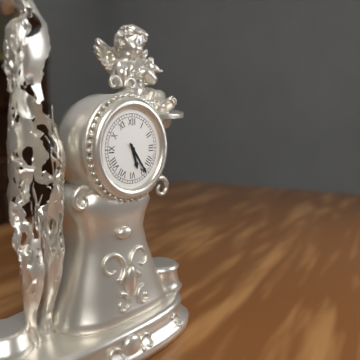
{"hour": 5, "minute": 24}
